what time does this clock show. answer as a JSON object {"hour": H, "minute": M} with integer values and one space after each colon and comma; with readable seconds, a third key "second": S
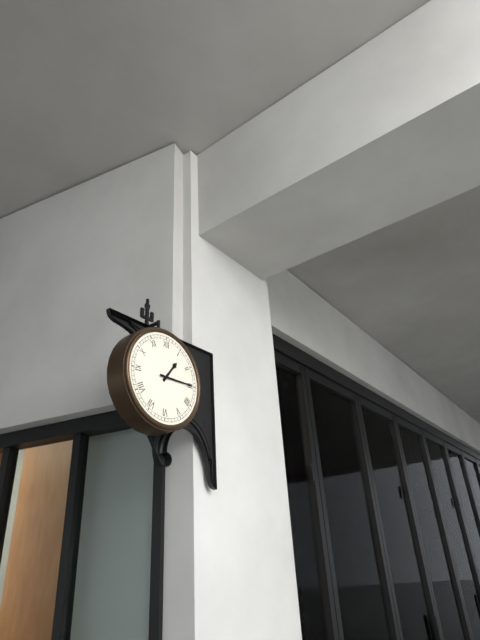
{"hour": 1, "minute": 15}
